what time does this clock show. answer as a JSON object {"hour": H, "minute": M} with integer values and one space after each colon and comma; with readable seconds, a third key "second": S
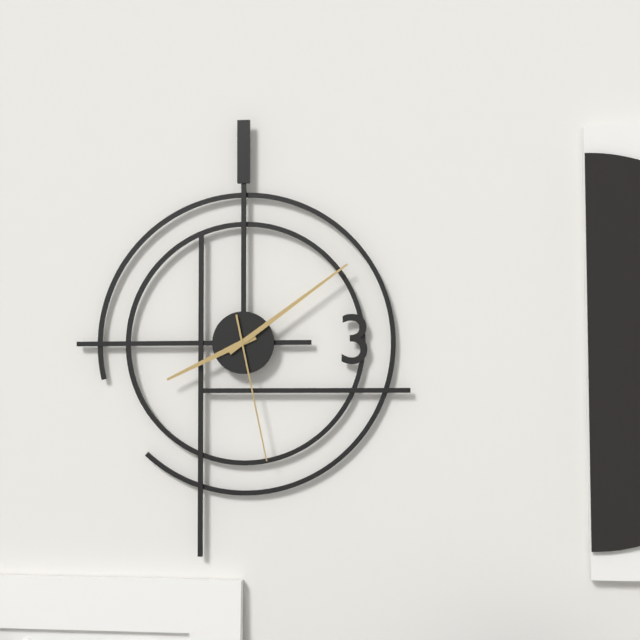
{"hour": 8, "minute": 9, "second": 28}
